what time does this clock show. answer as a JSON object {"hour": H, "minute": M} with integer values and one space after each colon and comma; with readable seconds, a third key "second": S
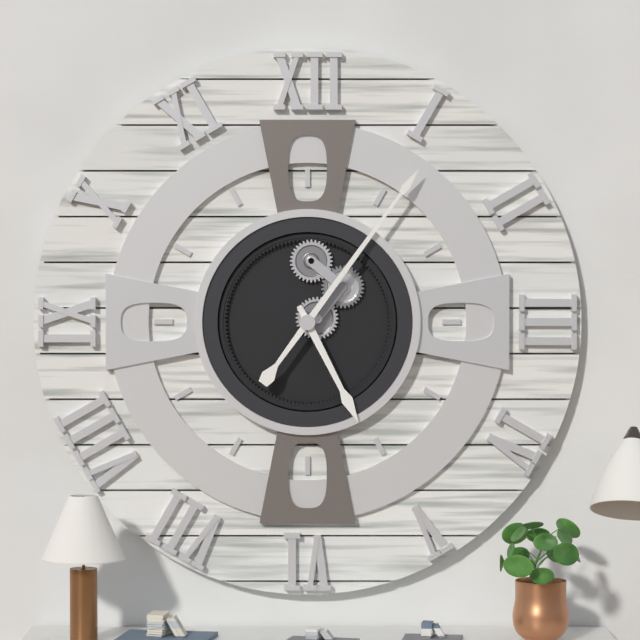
{"hour": 5, "minute": 6}
